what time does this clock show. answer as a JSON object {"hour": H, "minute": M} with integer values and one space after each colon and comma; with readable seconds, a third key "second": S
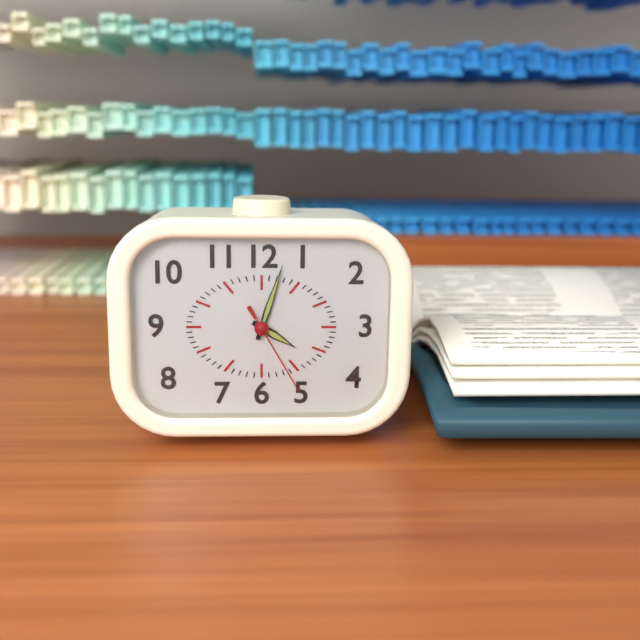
{"hour": 4, "minute": 3, "second": 25}
